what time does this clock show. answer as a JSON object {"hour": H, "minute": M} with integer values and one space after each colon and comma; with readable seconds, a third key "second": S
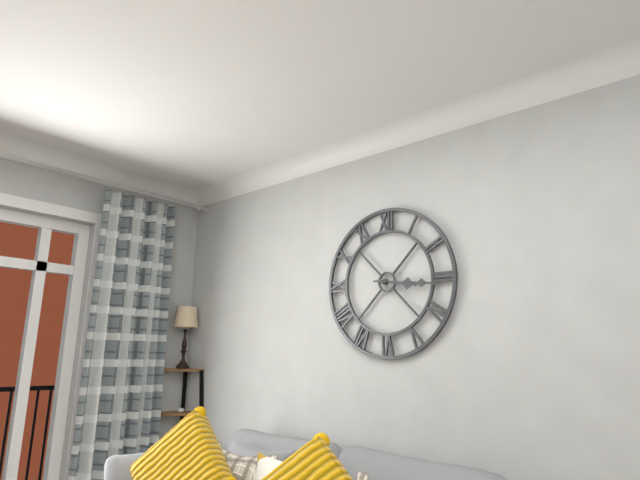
{"hour": 3, "minute": 16}
